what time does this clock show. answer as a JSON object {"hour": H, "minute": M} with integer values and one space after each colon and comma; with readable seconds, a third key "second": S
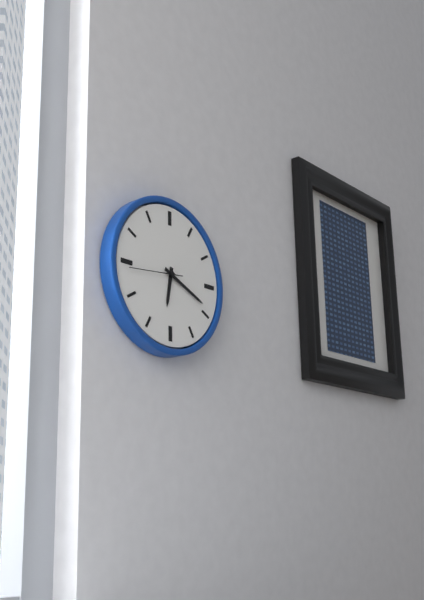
{"hour": 6, "minute": 19}
